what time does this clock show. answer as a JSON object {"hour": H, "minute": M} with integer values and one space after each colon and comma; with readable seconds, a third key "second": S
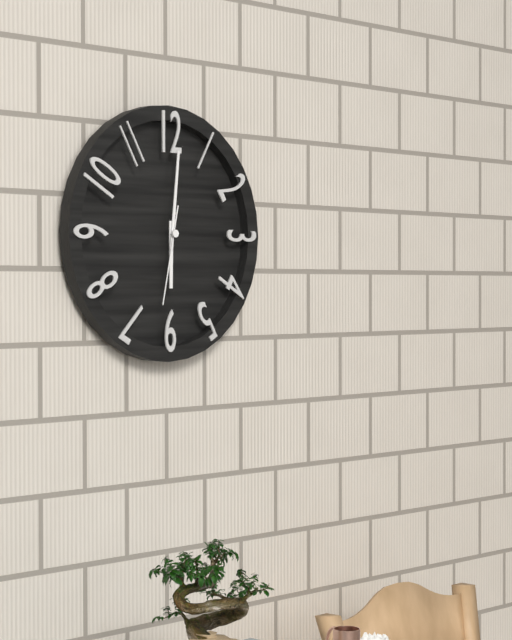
{"hour": 6, "minute": 1, "second": 32}
